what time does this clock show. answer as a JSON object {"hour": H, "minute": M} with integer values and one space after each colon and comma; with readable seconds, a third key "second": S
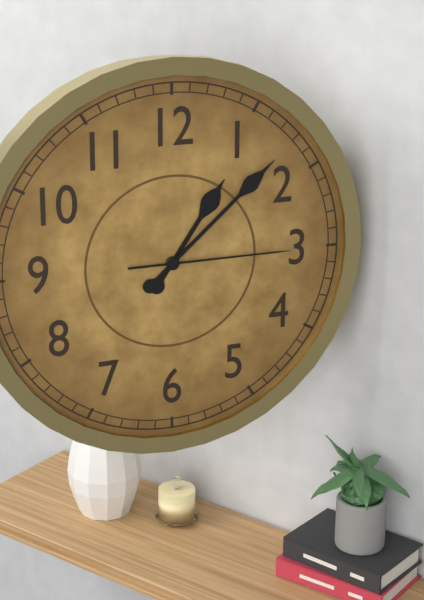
{"hour": 1, "minute": 8, "second": 15}
